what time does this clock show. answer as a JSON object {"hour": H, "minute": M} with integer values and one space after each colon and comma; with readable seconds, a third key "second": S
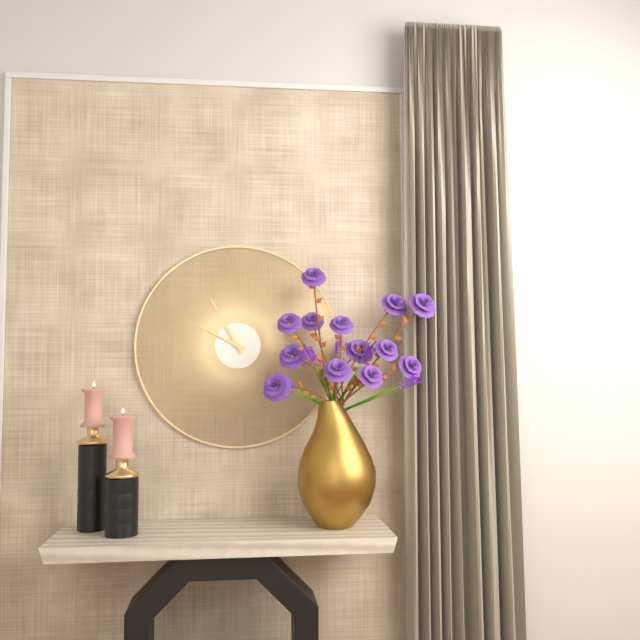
{"hour": 9, "minute": 55}
